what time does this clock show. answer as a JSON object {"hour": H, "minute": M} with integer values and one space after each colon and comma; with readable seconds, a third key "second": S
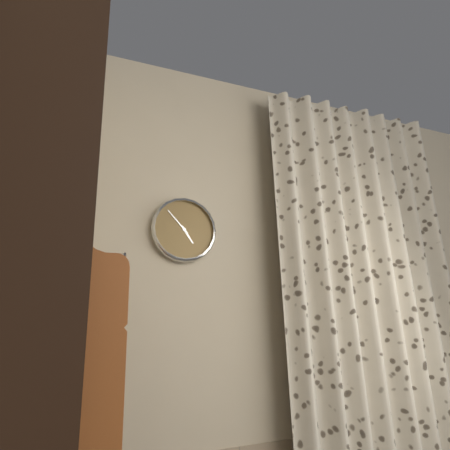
{"hour": 4, "minute": 53}
